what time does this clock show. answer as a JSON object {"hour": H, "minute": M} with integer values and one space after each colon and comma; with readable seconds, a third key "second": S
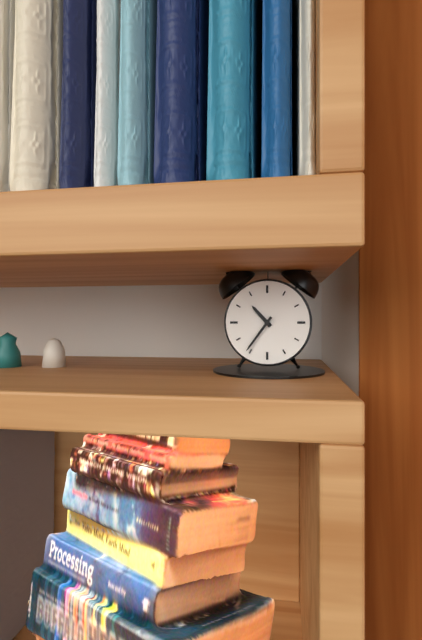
{"hour": 10, "minute": 36}
